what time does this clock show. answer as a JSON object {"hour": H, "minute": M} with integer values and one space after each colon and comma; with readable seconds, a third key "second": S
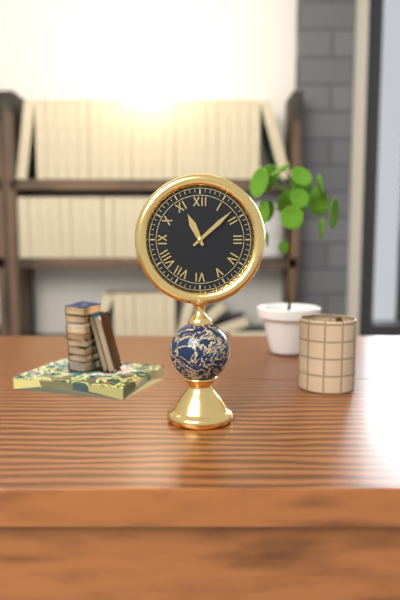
{"hour": 11, "minute": 8}
